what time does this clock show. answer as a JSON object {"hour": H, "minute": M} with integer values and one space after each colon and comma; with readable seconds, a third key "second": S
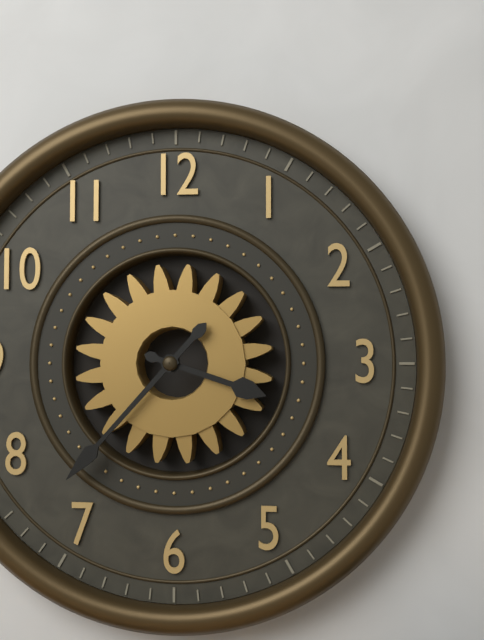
{"hour": 3, "minute": 37}
